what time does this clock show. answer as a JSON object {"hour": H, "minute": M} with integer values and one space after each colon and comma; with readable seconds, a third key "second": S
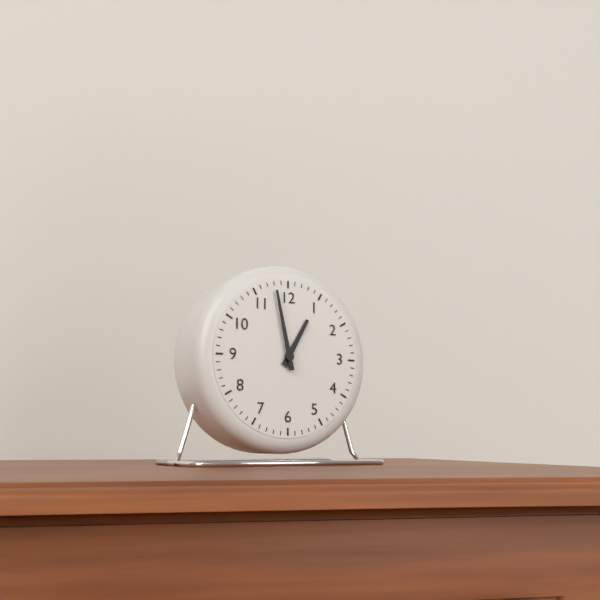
{"hour": 12, "minute": 58}
